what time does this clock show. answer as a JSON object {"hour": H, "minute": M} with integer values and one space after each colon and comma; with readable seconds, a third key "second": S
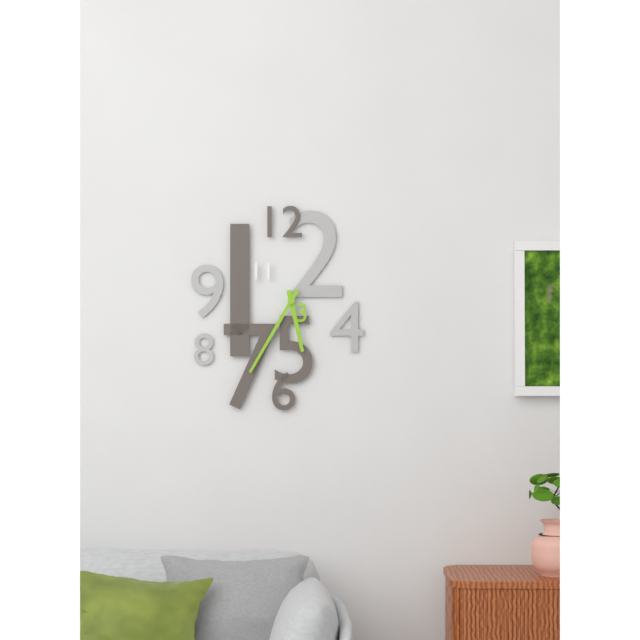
{"hour": 5, "minute": 35}
